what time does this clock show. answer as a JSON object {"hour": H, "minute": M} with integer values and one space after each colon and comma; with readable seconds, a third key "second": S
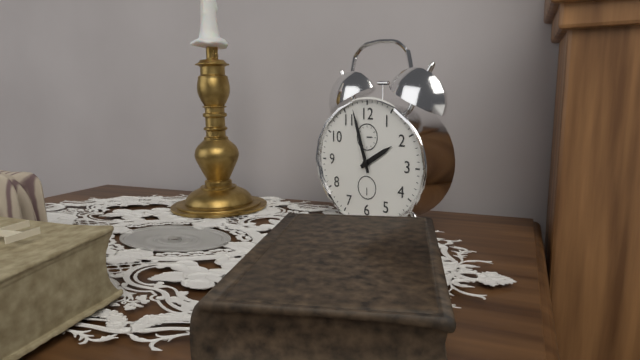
{"hour": 1, "minute": 57}
